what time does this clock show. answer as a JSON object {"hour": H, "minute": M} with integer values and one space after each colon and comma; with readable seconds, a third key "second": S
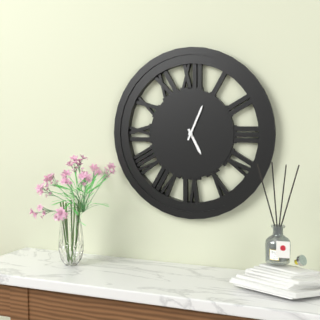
{"hour": 5, "minute": 4}
